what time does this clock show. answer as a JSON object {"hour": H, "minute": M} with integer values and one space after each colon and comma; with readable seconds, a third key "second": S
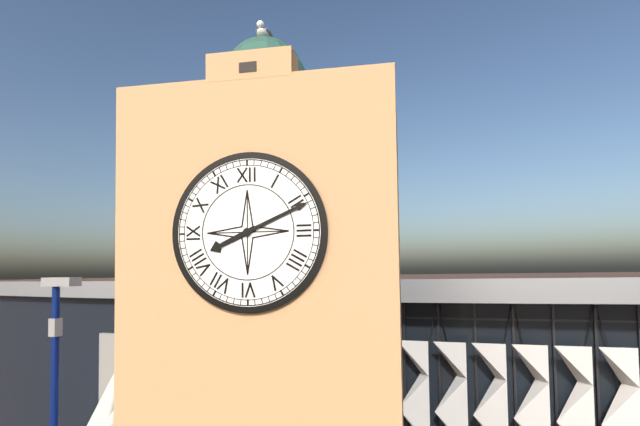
{"hour": 8, "minute": 11}
